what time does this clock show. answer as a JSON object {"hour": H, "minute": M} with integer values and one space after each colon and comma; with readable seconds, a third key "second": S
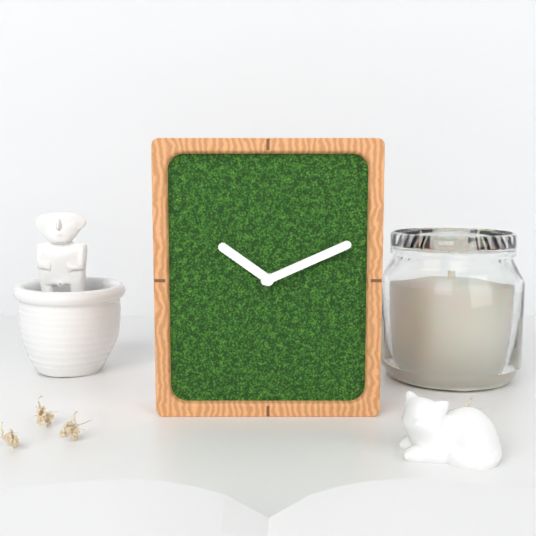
{"hour": 10, "minute": 11}
